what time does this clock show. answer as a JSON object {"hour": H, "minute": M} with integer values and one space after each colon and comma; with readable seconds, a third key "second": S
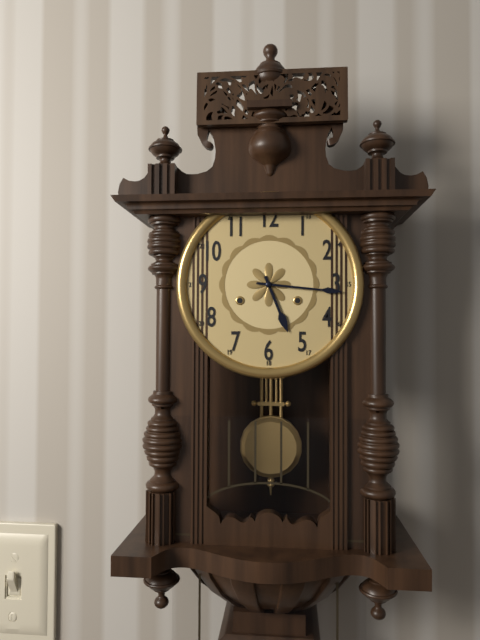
{"hour": 5, "minute": 16}
